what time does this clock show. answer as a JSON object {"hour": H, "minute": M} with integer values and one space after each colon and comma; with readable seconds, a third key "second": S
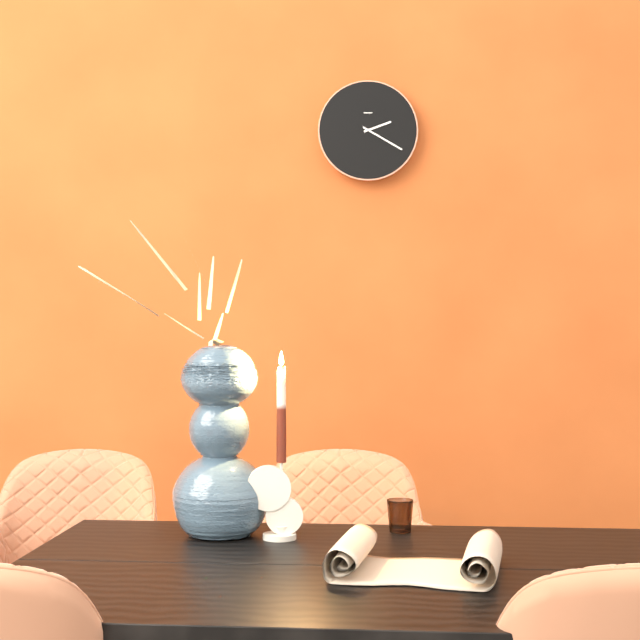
{"hour": 2, "minute": 20}
